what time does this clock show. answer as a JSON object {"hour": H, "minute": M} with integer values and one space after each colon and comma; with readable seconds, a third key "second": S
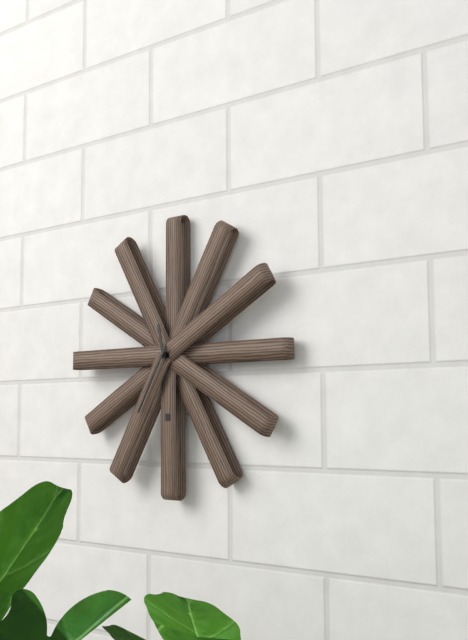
{"hour": 11, "minute": 35}
